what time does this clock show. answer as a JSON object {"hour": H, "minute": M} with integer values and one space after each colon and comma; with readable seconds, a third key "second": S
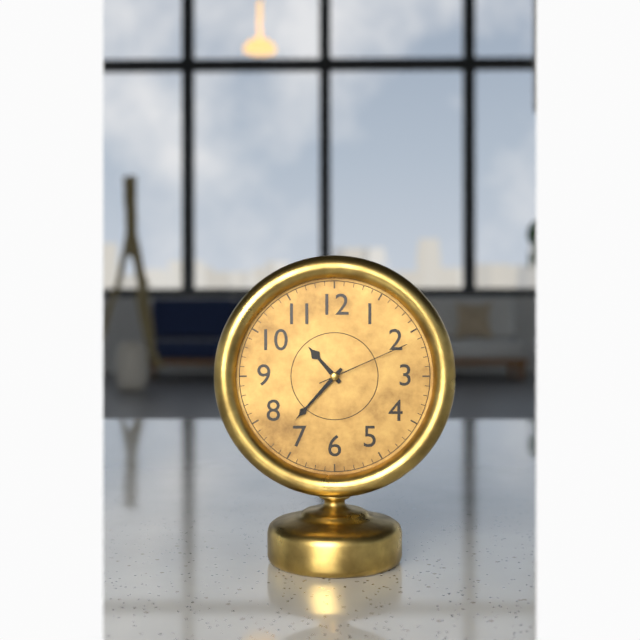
{"hour": 10, "minute": 37, "second": 11}
